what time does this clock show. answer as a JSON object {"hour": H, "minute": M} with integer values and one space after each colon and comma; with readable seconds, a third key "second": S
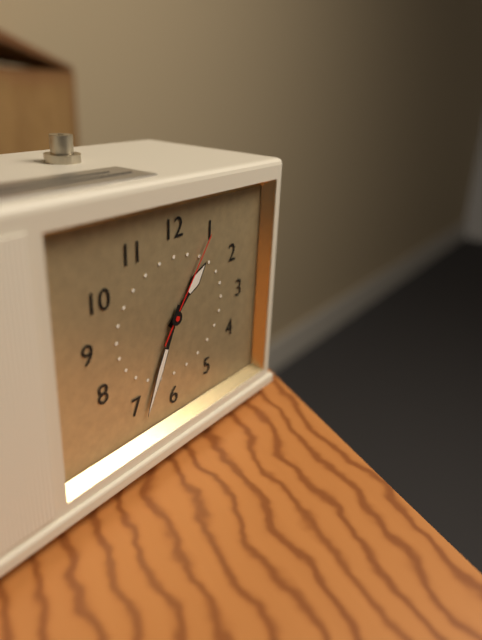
{"hour": 1, "minute": 34, "second": 6}
